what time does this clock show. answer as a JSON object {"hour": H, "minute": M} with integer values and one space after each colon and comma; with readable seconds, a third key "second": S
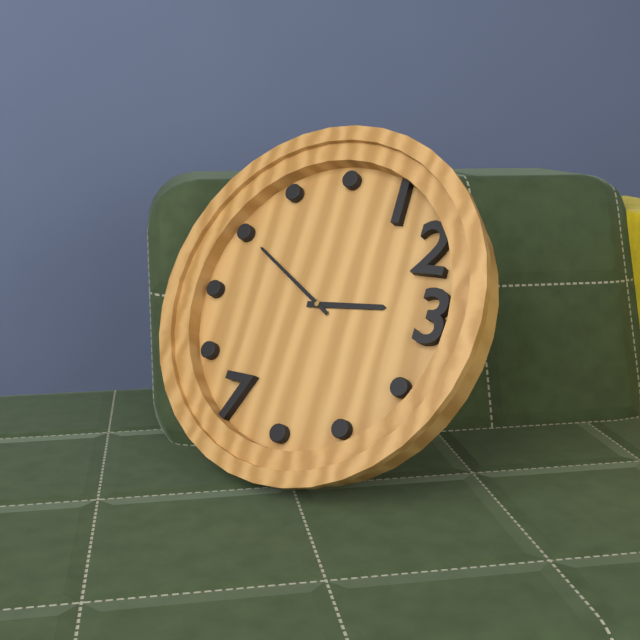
{"hour": 2, "minute": 50}
